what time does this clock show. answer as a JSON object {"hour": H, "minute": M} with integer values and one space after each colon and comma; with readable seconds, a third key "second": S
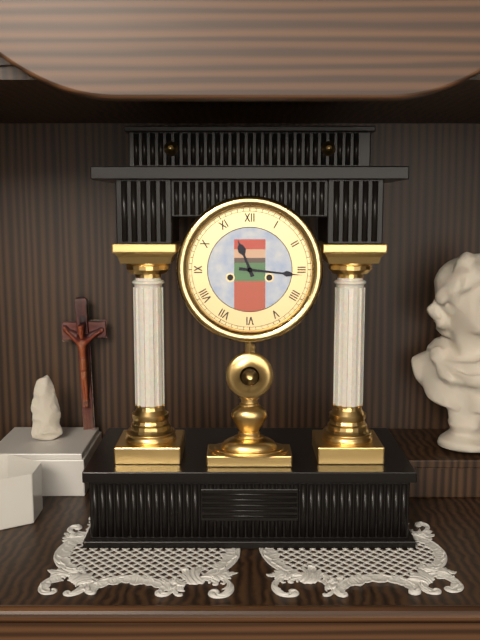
{"hour": 11, "minute": 16}
